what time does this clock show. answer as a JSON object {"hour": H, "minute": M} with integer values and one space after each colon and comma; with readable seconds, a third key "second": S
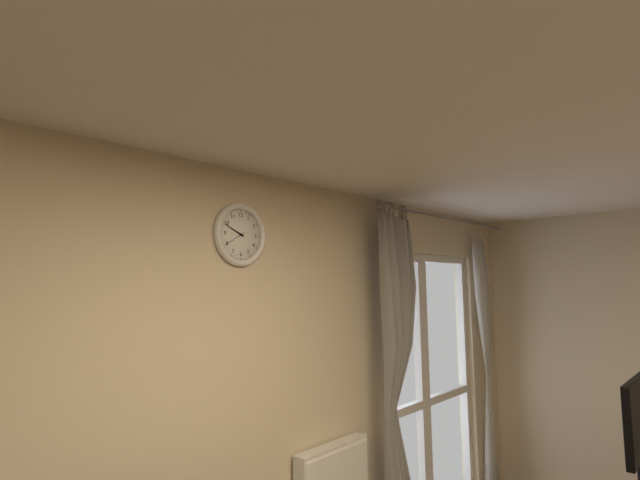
{"hour": 9, "minute": 49}
